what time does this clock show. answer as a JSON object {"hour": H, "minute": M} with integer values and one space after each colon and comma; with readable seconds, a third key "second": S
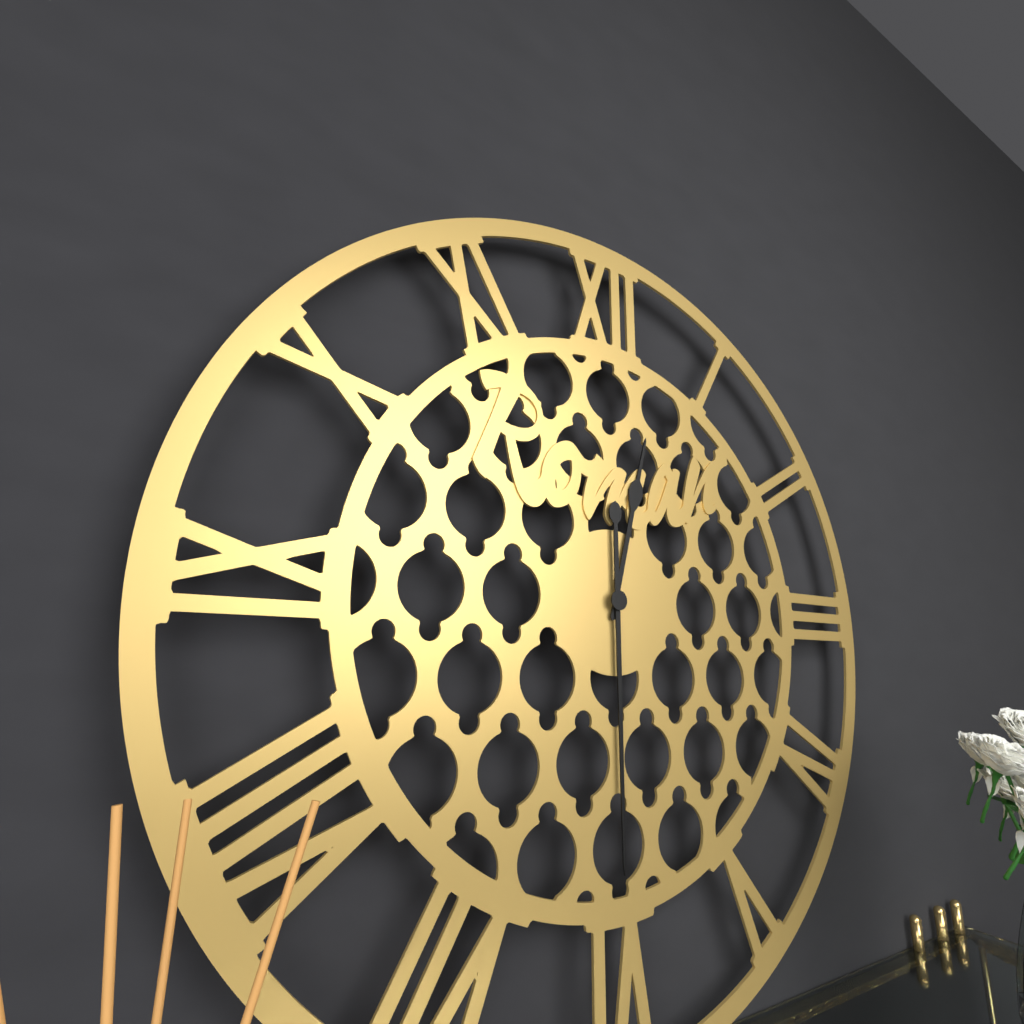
{"hour": 12, "minute": 30}
